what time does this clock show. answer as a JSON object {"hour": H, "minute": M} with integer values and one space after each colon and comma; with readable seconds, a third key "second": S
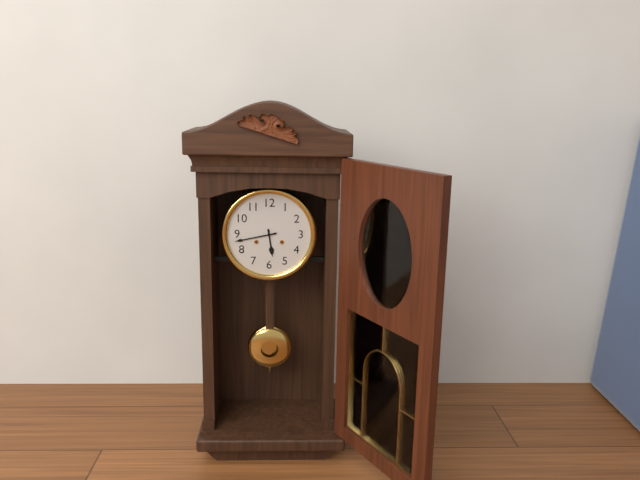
{"hour": 5, "minute": 43}
